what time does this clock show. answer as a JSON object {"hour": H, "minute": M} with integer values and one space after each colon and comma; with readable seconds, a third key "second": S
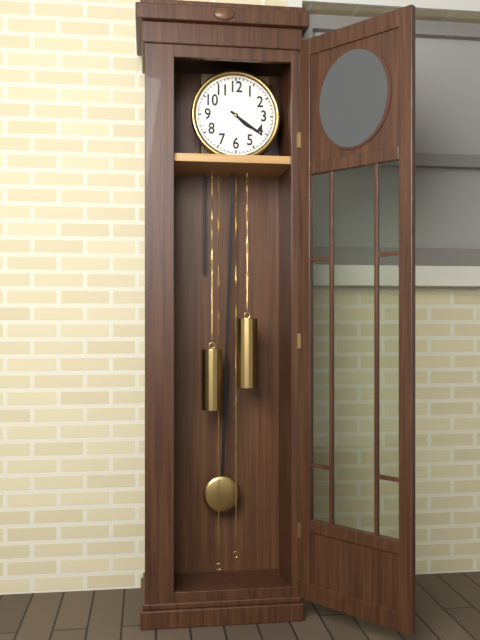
{"hour": 4, "minute": 21}
